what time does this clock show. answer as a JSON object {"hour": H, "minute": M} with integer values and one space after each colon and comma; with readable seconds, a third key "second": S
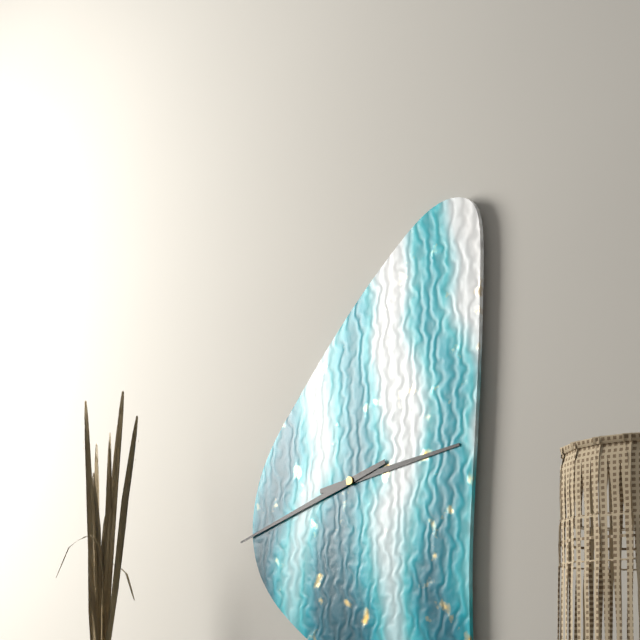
{"hour": 2, "minute": 42}
